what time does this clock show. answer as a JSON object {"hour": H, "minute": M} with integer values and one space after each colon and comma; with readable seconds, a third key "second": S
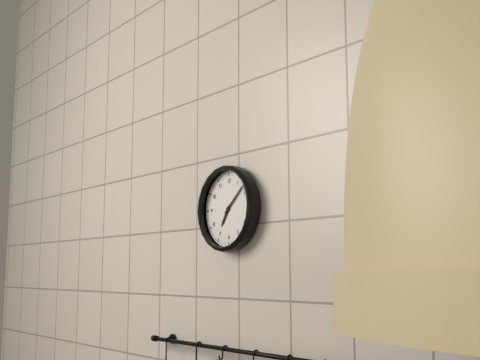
{"hour": 7, "minute": 8}
